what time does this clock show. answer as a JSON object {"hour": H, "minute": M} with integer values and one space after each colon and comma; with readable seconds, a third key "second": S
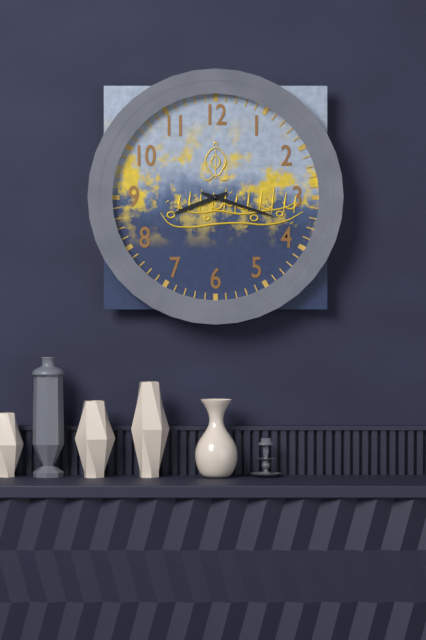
{"hour": 8, "minute": 18}
